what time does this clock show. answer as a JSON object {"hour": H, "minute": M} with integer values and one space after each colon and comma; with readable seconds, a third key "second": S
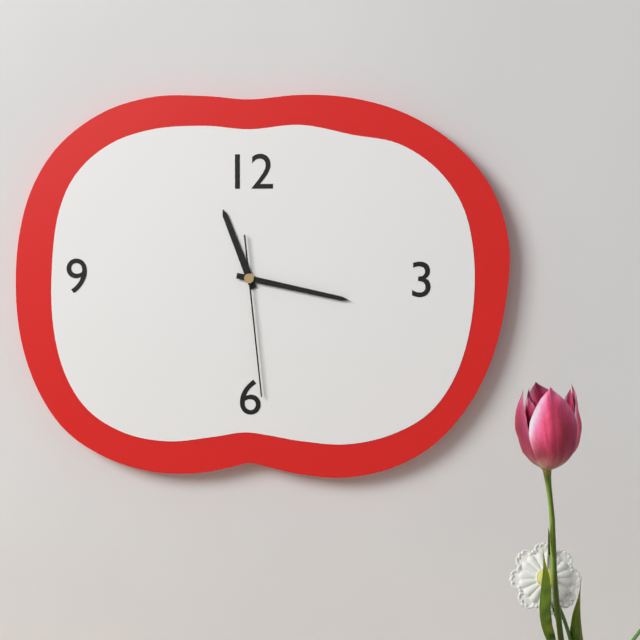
{"hour": 11, "minute": 17, "second": 29}
